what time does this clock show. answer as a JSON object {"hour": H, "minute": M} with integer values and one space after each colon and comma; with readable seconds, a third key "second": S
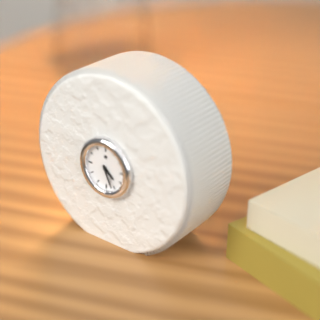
{"hour": 4, "minute": 26}
